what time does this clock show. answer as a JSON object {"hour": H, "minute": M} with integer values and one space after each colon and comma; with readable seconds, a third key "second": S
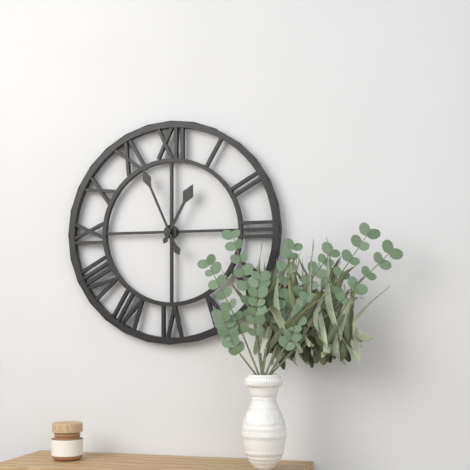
{"hour": 12, "minute": 56}
